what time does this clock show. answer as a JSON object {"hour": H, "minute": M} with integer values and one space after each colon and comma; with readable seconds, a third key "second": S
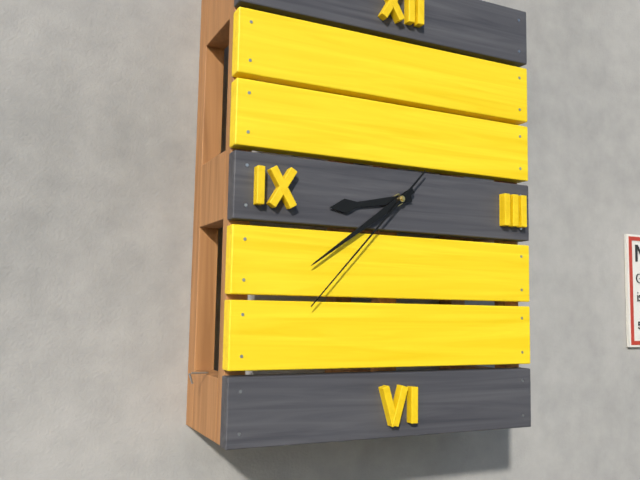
{"hour": 8, "minute": 39, "second": 37}
